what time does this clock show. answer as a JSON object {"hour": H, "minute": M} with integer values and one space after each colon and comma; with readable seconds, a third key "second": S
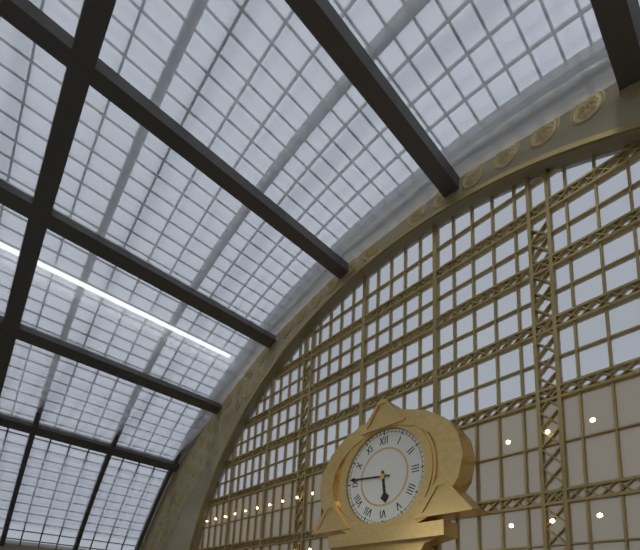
{"hour": 5, "minute": 46}
